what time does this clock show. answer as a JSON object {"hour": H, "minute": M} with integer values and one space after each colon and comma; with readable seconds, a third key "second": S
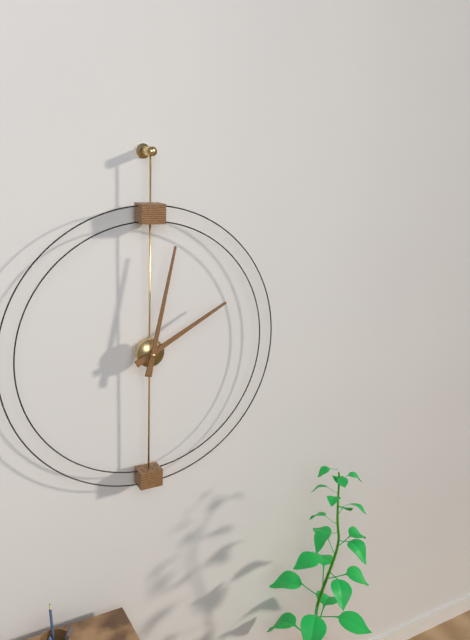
{"hour": 2, "minute": 2}
